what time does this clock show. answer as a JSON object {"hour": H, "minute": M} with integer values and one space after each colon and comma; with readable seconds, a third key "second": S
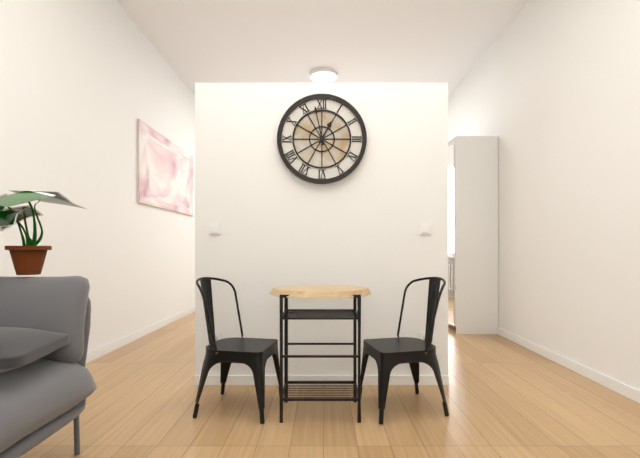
{"hour": 12, "minute": 58}
